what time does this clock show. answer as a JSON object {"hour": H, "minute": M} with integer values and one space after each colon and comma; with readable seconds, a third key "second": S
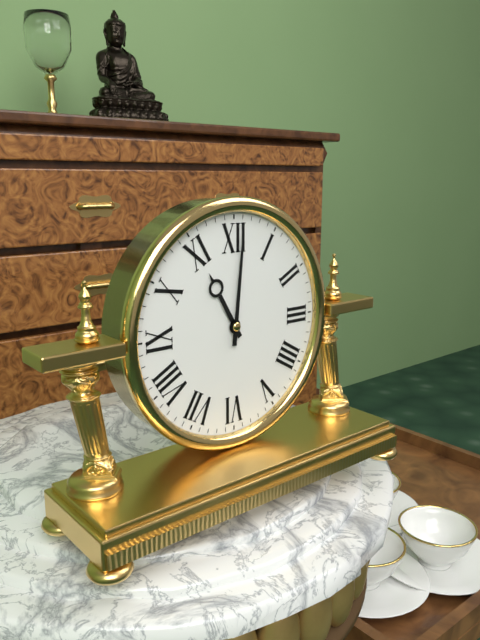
{"hour": 11, "minute": 1}
